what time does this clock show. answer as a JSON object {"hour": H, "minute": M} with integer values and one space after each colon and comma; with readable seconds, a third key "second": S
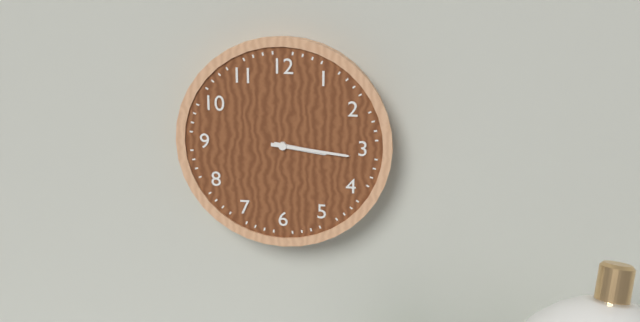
{"hour": 3, "minute": 16}
